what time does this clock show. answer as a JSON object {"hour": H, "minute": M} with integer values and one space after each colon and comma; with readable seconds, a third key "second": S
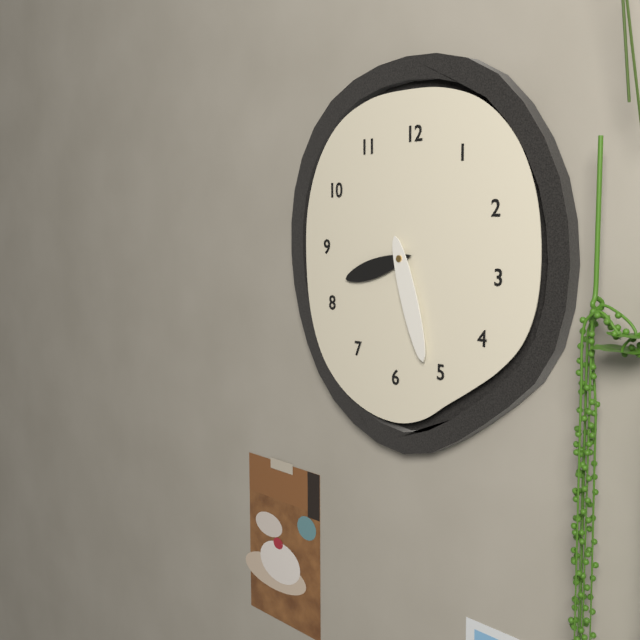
{"hour": 8, "minute": 27}
